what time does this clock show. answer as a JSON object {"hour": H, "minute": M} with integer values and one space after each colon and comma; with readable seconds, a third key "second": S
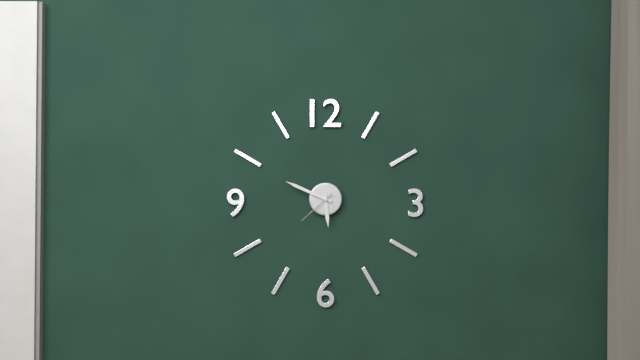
{"hour": 5, "minute": 49}
